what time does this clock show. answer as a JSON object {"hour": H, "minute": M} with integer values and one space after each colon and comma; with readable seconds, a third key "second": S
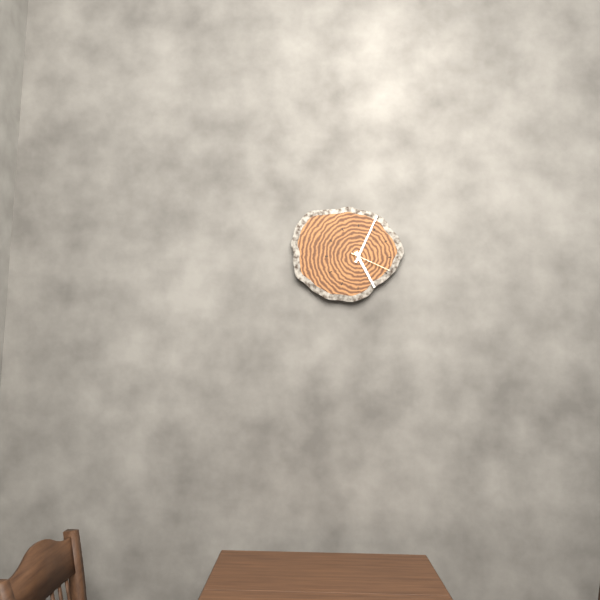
{"hour": 5, "minute": 4}
